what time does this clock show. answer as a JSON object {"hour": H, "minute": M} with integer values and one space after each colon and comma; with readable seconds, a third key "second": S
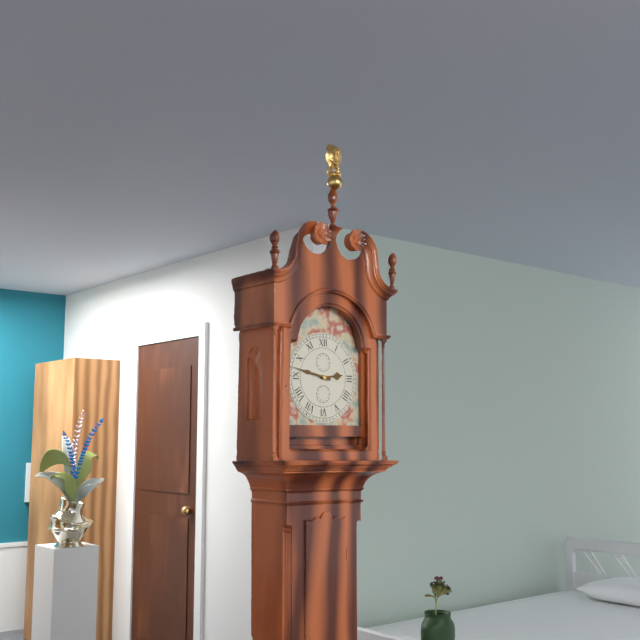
{"hour": 2, "minute": 47}
